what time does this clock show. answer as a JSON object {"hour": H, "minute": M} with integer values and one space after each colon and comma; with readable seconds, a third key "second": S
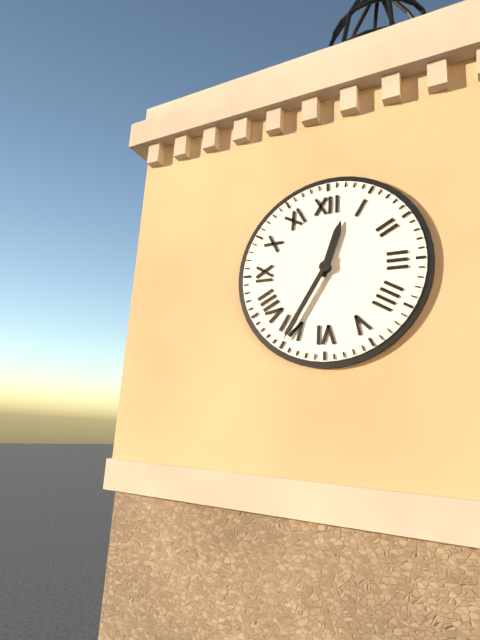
{"hour": 12, "minute": 35}
